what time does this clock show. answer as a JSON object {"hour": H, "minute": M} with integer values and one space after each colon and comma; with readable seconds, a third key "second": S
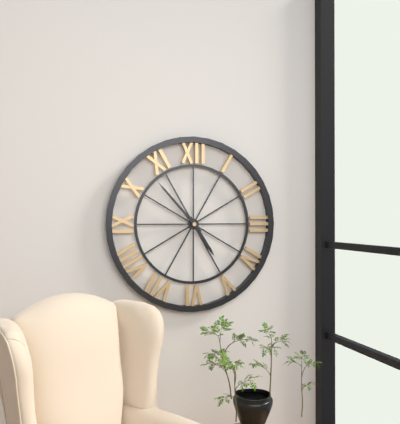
{"hour": 4, "minute": 53}
